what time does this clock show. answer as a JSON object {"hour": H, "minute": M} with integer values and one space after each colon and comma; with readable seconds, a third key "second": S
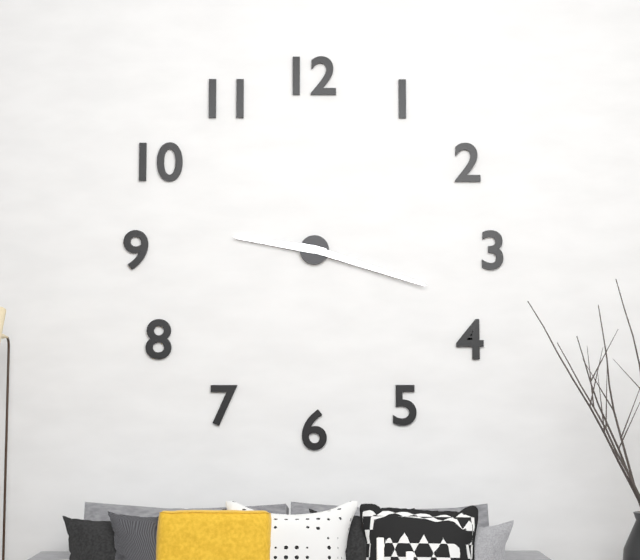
{"hour": 9, "minute": 18}
